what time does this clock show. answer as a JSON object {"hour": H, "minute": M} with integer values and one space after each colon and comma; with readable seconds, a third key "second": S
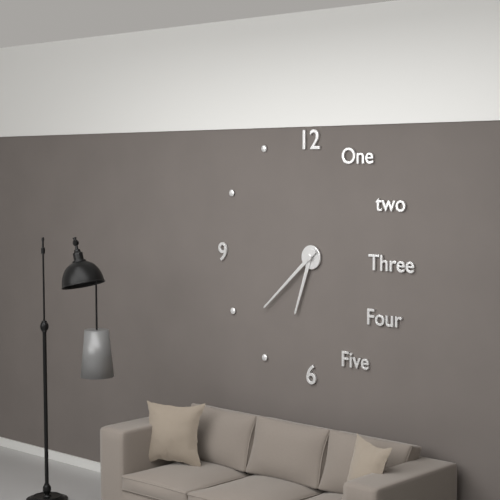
{"hour": 6, "minute": 38}
